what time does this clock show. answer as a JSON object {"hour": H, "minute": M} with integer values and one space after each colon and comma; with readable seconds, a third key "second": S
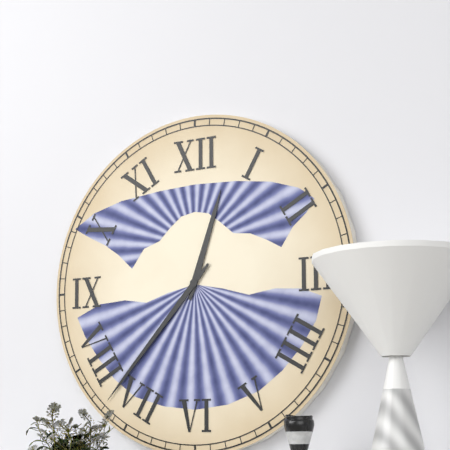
{"hour": 12, "minute": 37}
